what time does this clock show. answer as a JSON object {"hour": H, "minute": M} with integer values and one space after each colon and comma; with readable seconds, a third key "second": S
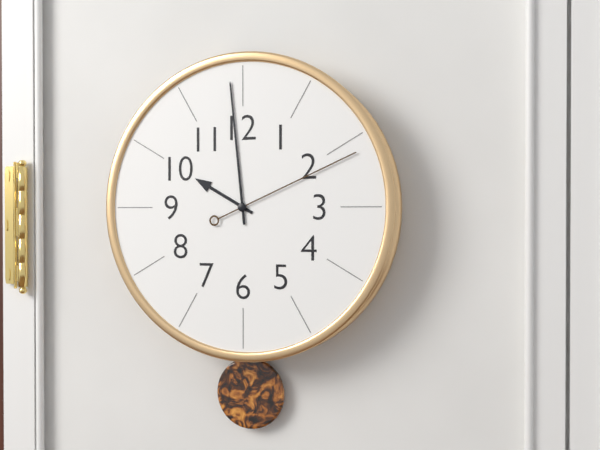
{"hour": 9, "minute": 59, "second": 11}
